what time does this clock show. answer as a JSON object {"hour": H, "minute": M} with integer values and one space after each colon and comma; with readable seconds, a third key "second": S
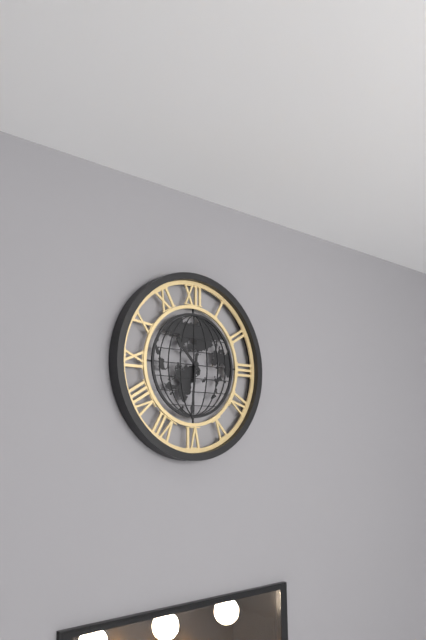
{"hour": 10, "minute": 31}
